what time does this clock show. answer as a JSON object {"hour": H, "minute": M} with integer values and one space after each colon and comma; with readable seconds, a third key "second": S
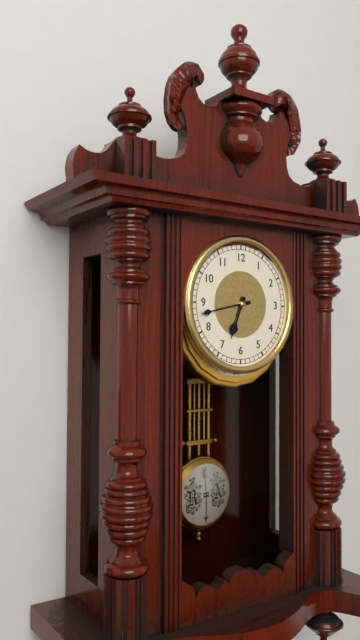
{"hour": 6, "minute": 43}
